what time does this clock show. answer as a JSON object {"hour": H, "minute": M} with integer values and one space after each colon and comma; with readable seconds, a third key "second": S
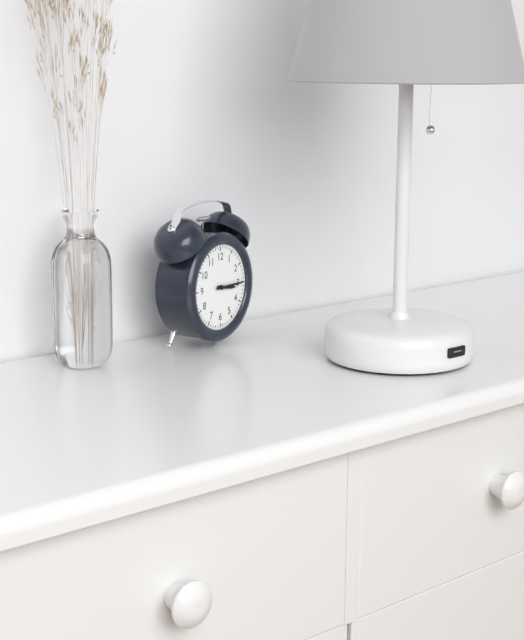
{"hour": 3, "minute": 15}
